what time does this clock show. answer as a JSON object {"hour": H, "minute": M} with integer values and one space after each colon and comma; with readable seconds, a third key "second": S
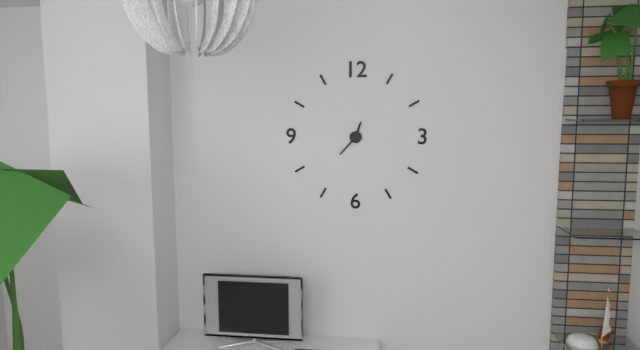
{"hour": 12, "minute": 37}
